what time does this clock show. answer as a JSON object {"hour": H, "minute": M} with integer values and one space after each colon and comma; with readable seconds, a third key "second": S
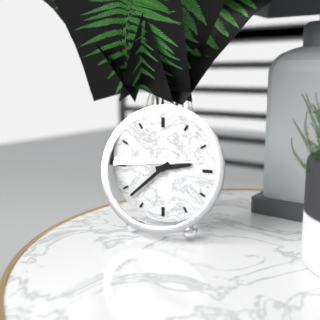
{"hour": 2, "minute": 38}
